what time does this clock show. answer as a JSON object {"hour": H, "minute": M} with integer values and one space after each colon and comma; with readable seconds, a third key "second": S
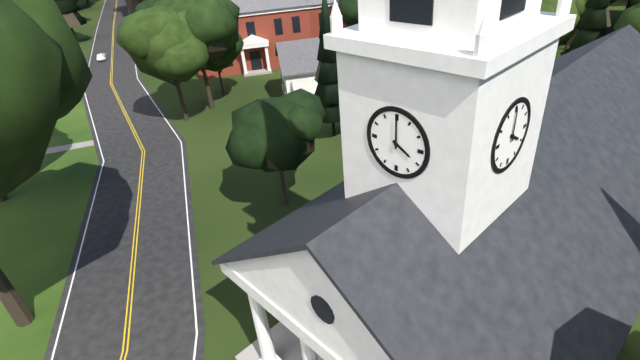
{"hour": 4, "minute": 0}
